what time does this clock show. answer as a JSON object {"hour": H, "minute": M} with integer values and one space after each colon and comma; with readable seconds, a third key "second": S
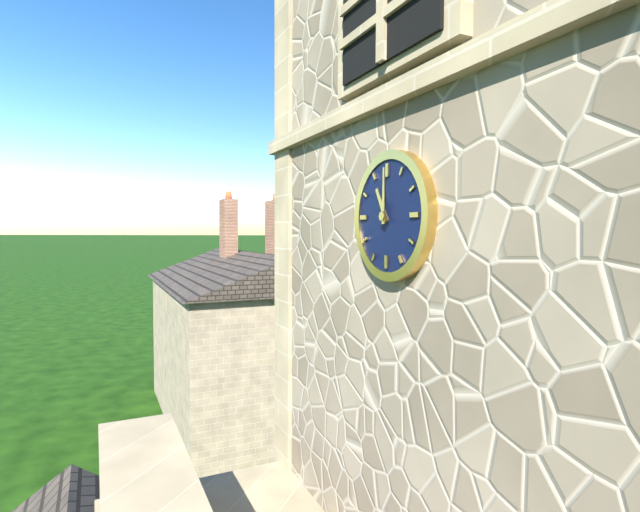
{"hour": 11, "minute": 0}
